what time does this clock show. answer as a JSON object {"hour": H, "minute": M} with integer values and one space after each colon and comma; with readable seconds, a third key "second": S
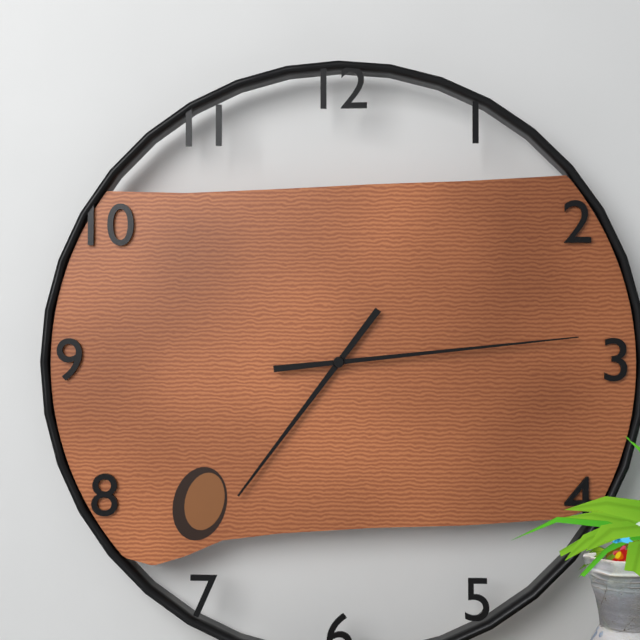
{"hour": 7, "minute": 14}
